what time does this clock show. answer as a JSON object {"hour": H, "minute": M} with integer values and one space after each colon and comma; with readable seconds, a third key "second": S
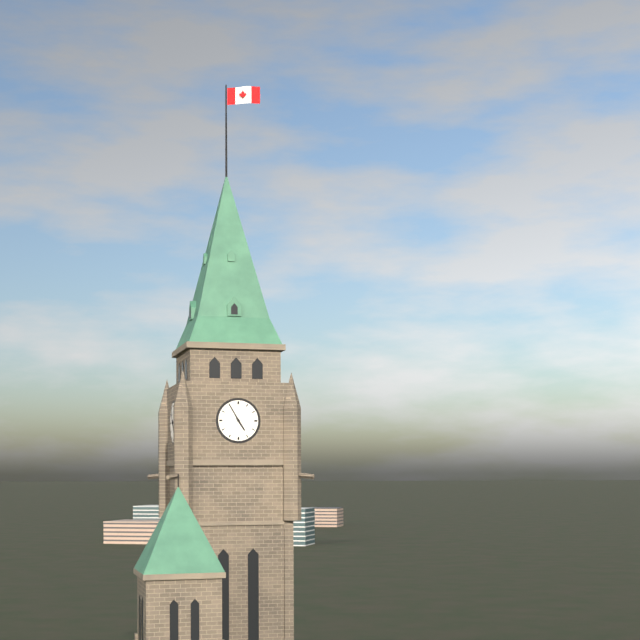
{"hour": 4, "minute": 55}
